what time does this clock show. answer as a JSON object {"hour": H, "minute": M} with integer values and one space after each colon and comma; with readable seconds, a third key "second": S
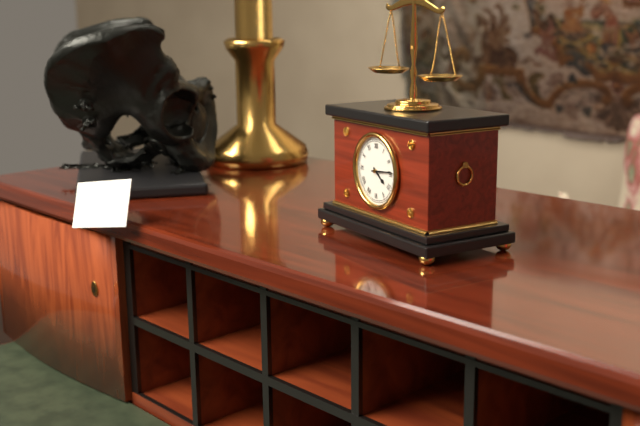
{"hour": 4, "minute": 14}
